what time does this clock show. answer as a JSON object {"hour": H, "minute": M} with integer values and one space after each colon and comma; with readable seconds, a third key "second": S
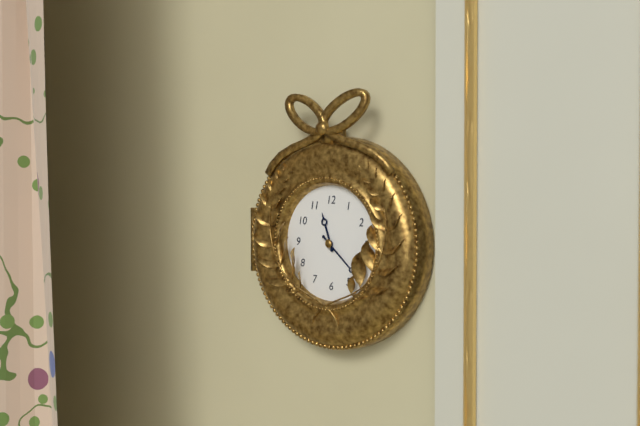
{"hour": 11, "minute": 22}
